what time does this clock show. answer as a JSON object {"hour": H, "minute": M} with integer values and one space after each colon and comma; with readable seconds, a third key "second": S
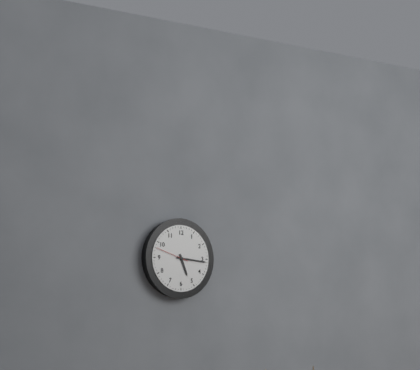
{"hour": 5, "minute": 16}
